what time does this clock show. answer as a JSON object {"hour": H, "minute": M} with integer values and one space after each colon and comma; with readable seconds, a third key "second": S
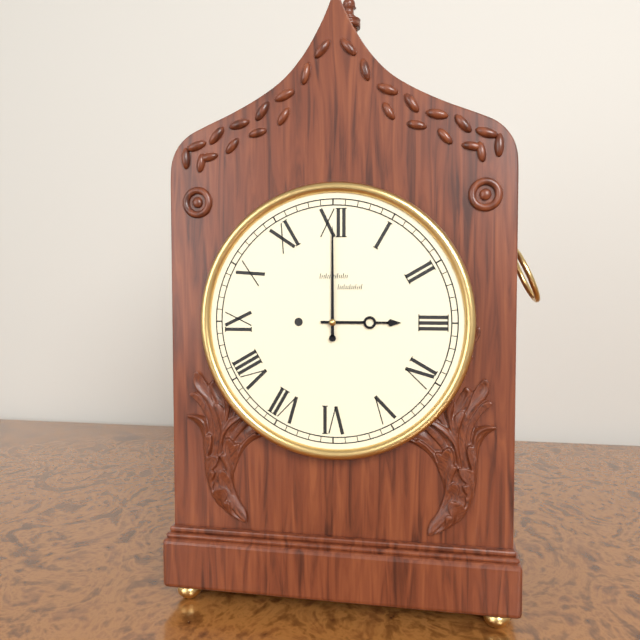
{"hour": 3, "minute": 0}
